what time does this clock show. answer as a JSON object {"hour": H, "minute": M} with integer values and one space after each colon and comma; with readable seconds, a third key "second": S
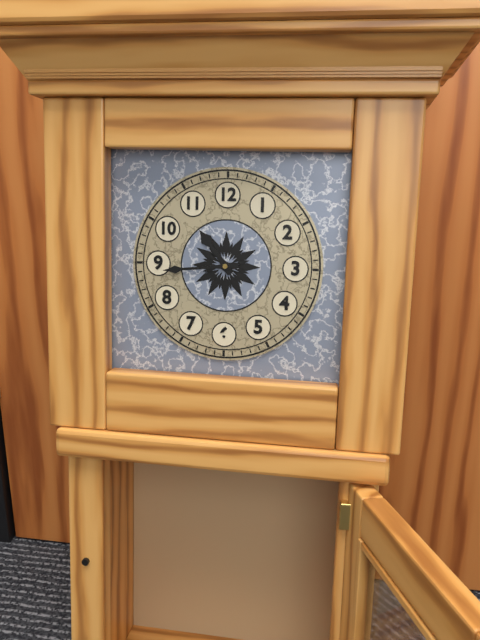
{"hour": 10, "minute": 44}
